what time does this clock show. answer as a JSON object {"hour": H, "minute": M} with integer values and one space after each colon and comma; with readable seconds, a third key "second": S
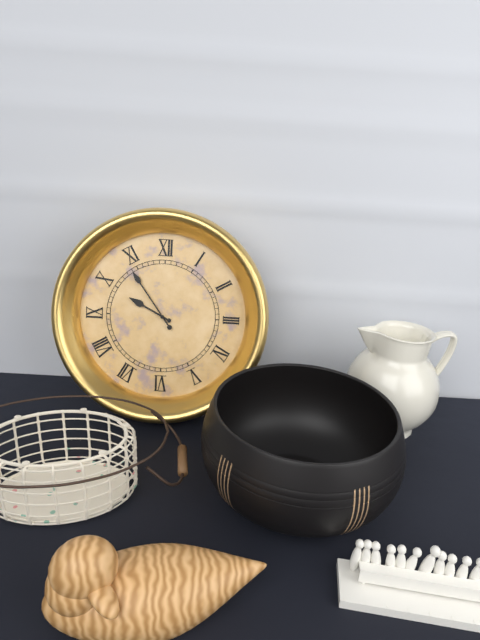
{"hour": 9, "minute": 54}
